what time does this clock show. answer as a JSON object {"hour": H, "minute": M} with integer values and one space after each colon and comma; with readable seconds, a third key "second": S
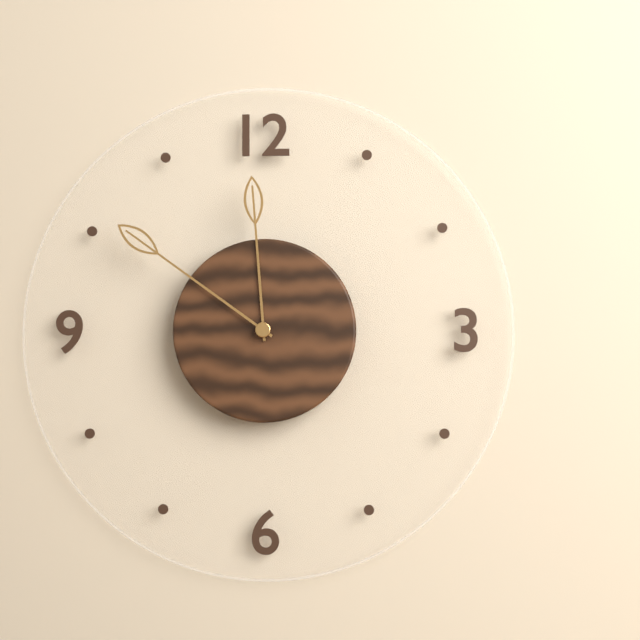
{"hour": 11, "minute": 51}
